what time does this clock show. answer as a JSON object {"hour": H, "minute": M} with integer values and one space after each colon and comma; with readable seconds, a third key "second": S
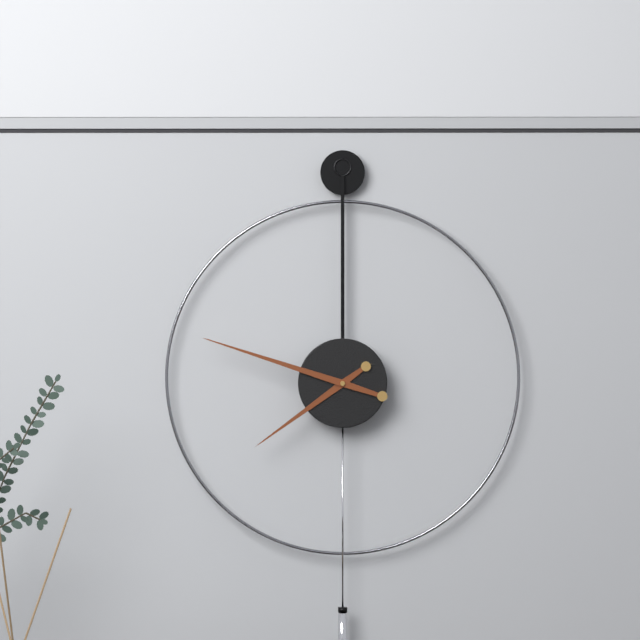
{"hour": 7, "minute": 48}
